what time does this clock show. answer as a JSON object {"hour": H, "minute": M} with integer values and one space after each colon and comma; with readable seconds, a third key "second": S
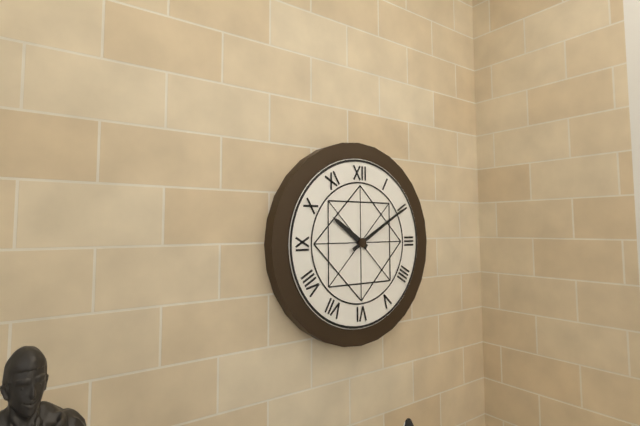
{"hour": 10, "minute": 10}
